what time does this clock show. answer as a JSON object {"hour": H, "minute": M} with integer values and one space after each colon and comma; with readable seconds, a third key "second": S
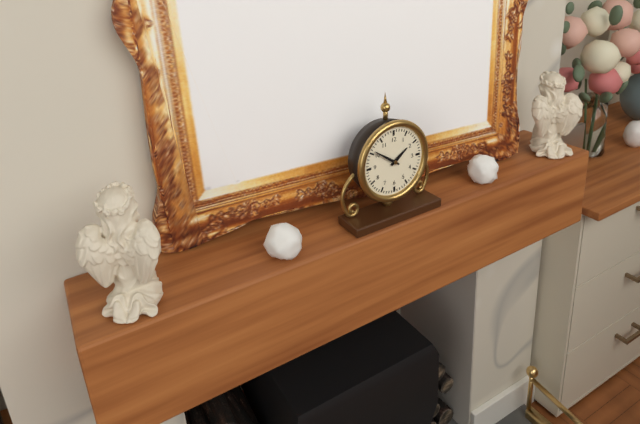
{"hour": 1, "minute": 51}
